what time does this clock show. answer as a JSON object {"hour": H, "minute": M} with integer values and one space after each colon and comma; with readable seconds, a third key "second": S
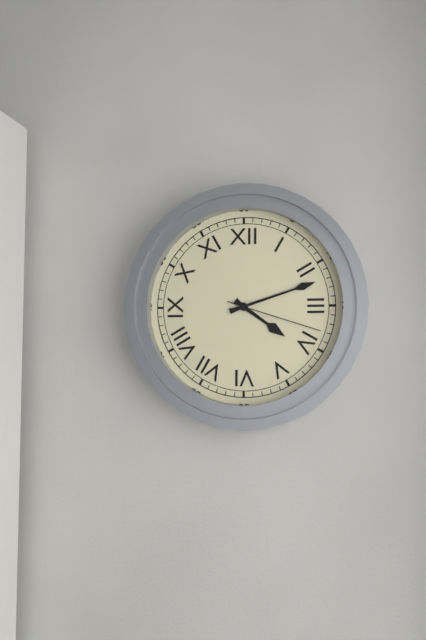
{"hour": 4, "minute": 12, "second": 18}
